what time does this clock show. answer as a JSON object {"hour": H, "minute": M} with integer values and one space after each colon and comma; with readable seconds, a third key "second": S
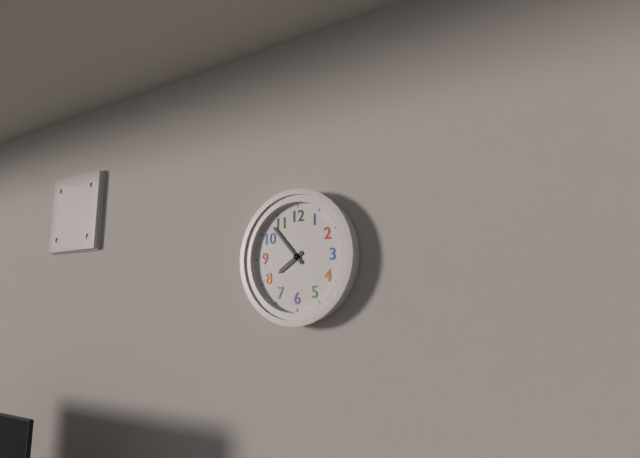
{"hour": 7, "minute": 53}
